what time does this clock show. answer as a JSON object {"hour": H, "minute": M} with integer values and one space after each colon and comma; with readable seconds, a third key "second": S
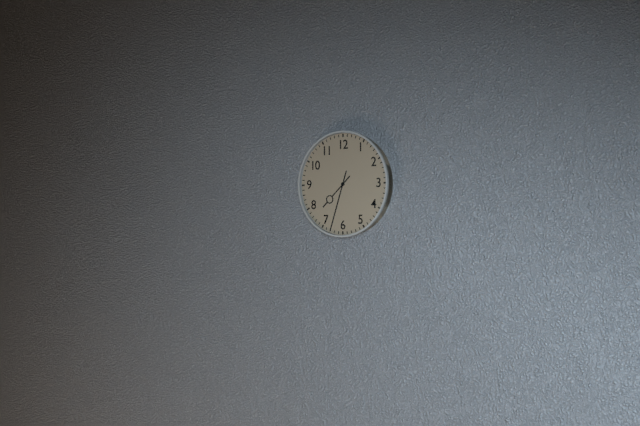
{"hour": 7, "minute": 33}
